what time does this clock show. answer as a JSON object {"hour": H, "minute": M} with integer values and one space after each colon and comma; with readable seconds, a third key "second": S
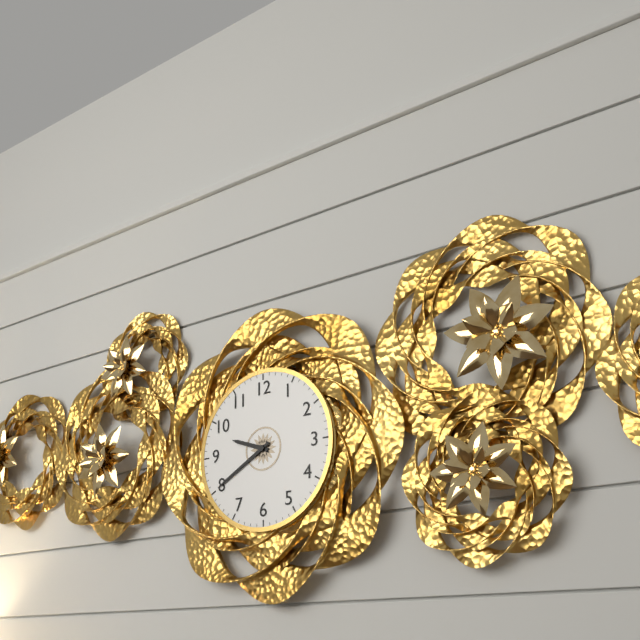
{"hour": 9, "minute": 40}
